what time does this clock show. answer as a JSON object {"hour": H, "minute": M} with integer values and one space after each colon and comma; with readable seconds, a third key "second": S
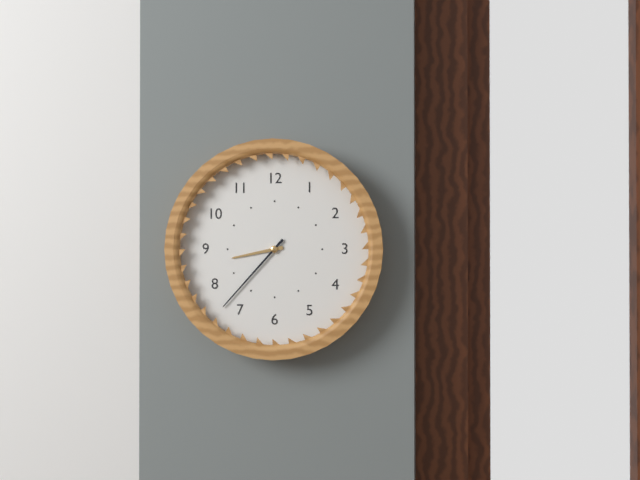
{"hour": 8, "minute": 37}
